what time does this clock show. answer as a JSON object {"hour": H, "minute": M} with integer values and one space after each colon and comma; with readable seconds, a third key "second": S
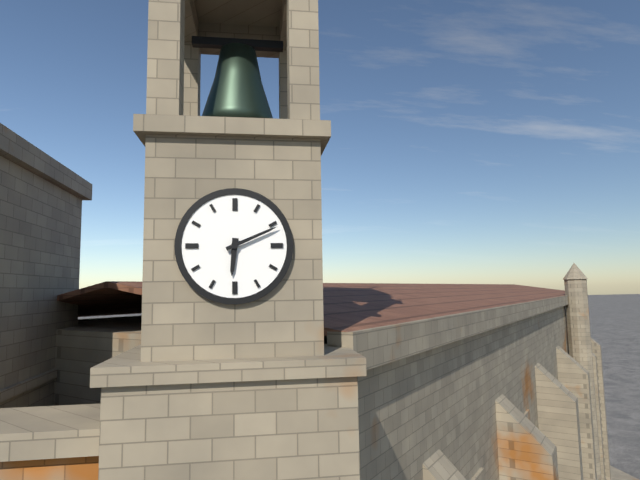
{"hour": 6, "minute": 11}
